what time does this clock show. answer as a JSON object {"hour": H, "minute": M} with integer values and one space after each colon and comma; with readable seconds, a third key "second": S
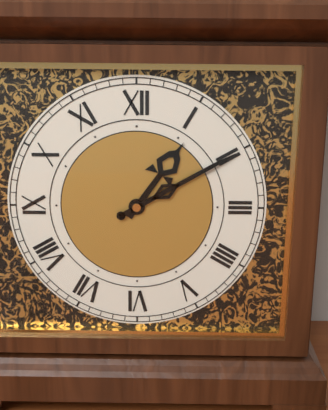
{"hour": 1, "minute": 10}
